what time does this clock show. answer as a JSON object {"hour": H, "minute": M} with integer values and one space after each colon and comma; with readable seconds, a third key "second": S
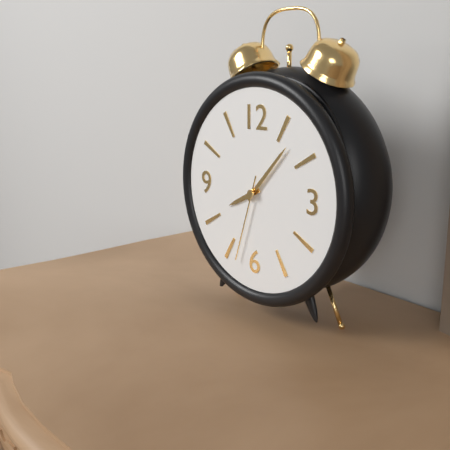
{"hour": 8, "minute": 7, "second": 33}
